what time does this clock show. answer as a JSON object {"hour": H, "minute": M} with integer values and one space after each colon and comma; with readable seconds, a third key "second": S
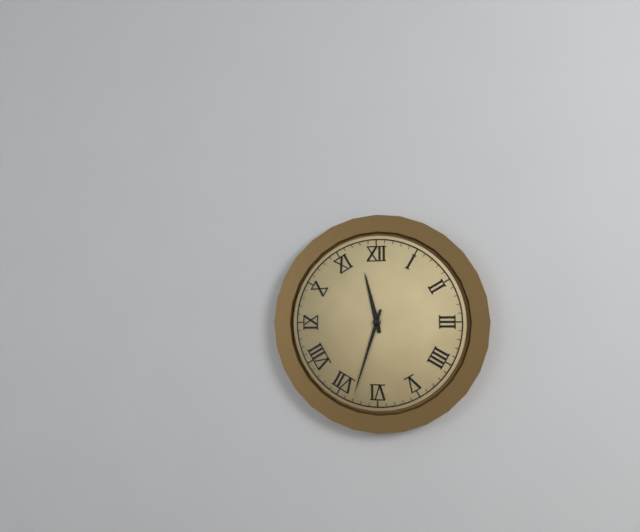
{"hour": 11, "minute": 33}
